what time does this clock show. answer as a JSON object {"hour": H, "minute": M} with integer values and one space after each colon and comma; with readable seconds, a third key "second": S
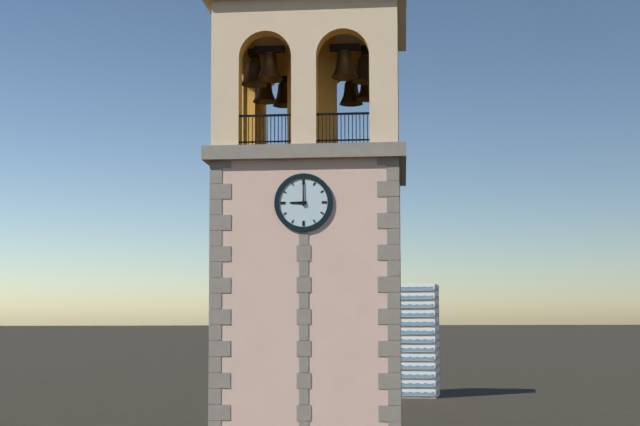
{"hour": 9, "minute": 0}
